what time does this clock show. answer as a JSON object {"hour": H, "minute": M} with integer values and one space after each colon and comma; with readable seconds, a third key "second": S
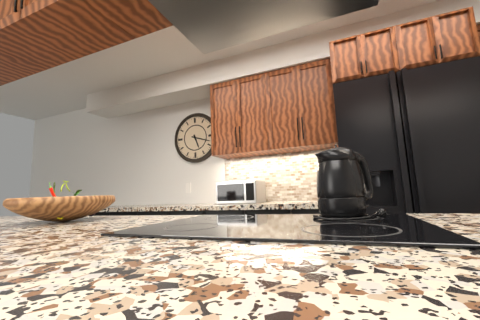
{"hour": 5, "minute": 18}
